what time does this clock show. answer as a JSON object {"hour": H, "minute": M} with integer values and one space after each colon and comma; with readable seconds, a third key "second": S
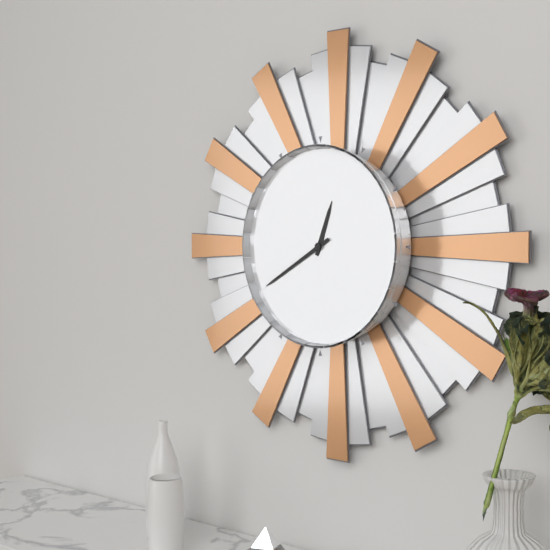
{"hour": 12, "minute": 40}
